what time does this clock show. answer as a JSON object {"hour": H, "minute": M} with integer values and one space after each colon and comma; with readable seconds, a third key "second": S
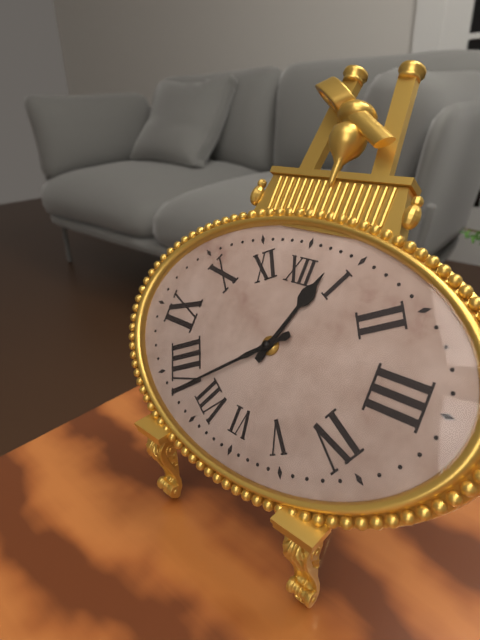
{"hour": 12, "minute": 38}
